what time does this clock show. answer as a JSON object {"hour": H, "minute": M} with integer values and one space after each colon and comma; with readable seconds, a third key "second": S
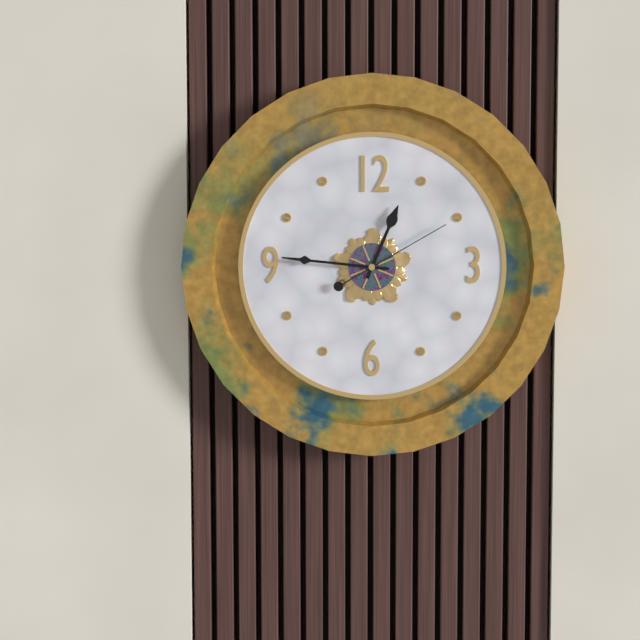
{"hour": 12, "minute": 46, "second": 10}
